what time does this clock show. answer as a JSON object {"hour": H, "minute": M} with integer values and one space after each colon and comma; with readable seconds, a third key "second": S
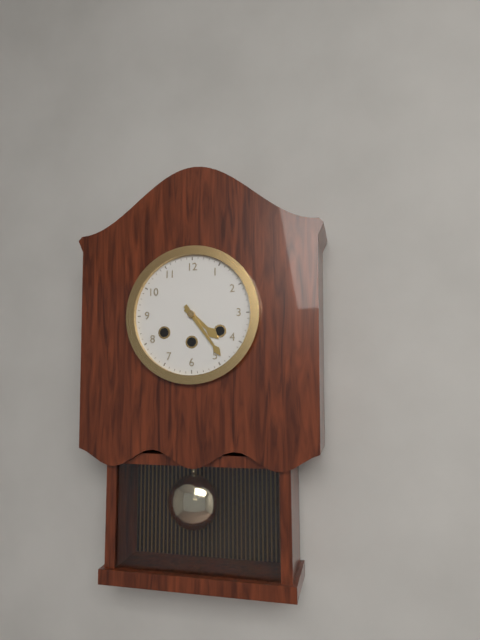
{"hour": 4, "minute": 24}
